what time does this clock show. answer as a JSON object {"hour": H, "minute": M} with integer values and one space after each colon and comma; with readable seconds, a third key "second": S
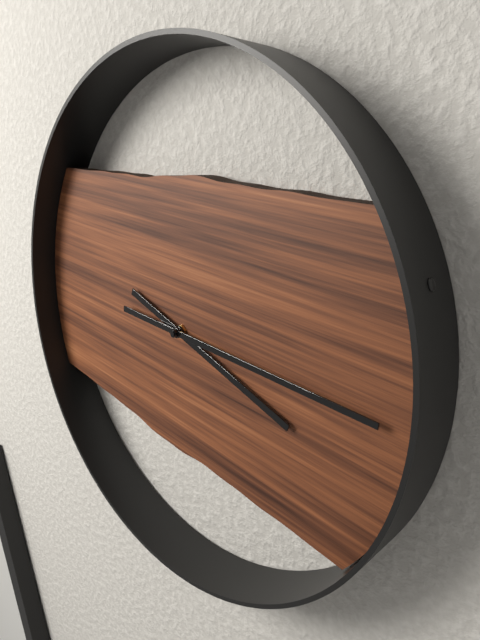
{"hour": 4, "minute": 19}
